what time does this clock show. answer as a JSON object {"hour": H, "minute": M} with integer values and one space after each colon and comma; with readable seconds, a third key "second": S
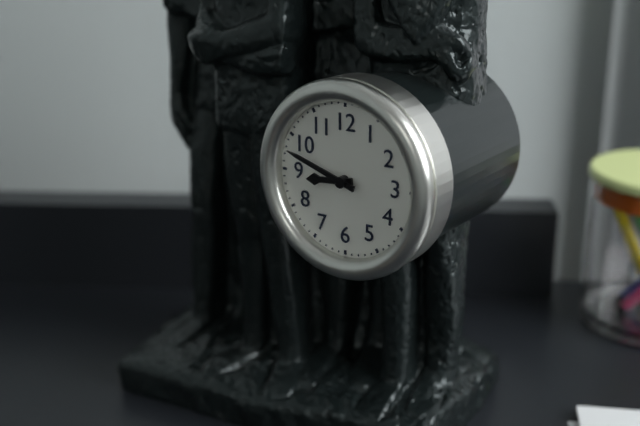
{"hour": 8, "minute": 48}
